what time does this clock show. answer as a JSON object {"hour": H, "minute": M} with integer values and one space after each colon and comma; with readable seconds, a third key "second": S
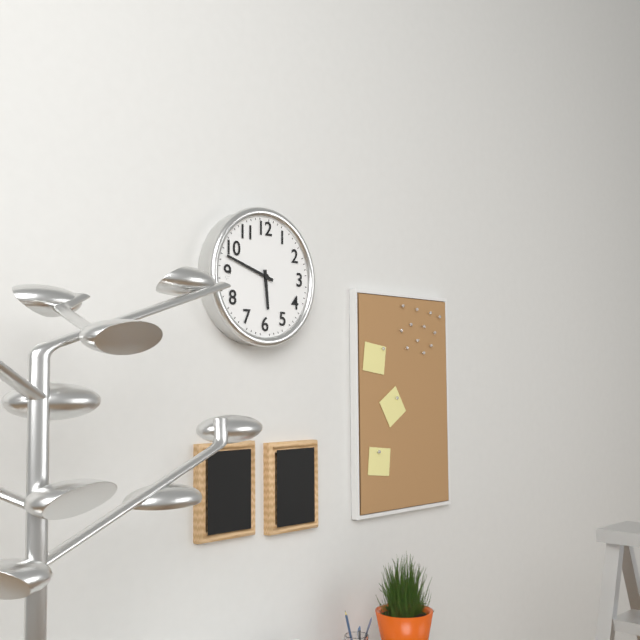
{"hour": 5, "minute": 48}
